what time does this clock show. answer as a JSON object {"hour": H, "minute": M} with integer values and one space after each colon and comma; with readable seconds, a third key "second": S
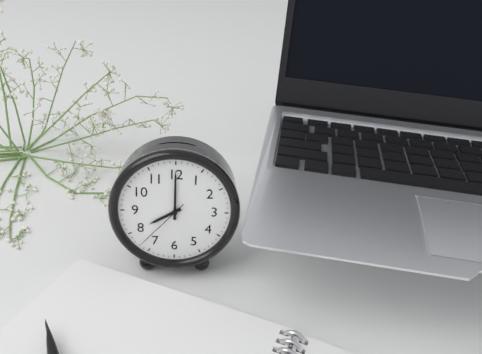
{"hour": 8, "minute": 0, "second": 37}
